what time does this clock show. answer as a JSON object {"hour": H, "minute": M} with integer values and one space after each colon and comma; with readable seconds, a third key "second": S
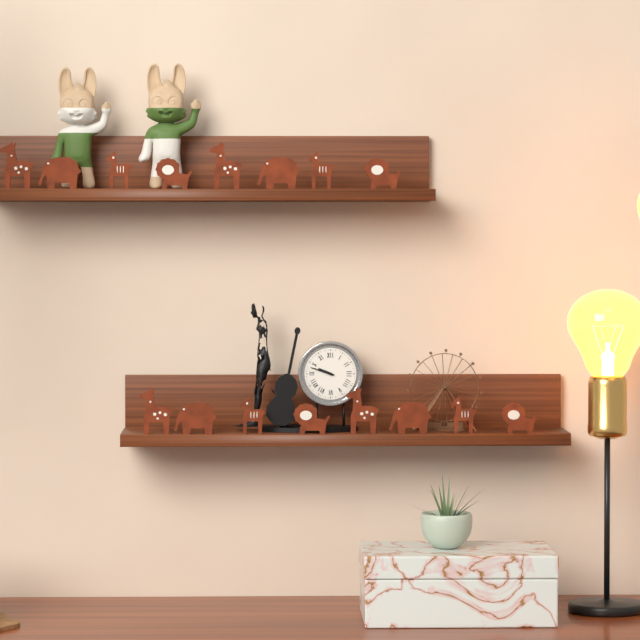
{"hour": 9, "minute": 48}
